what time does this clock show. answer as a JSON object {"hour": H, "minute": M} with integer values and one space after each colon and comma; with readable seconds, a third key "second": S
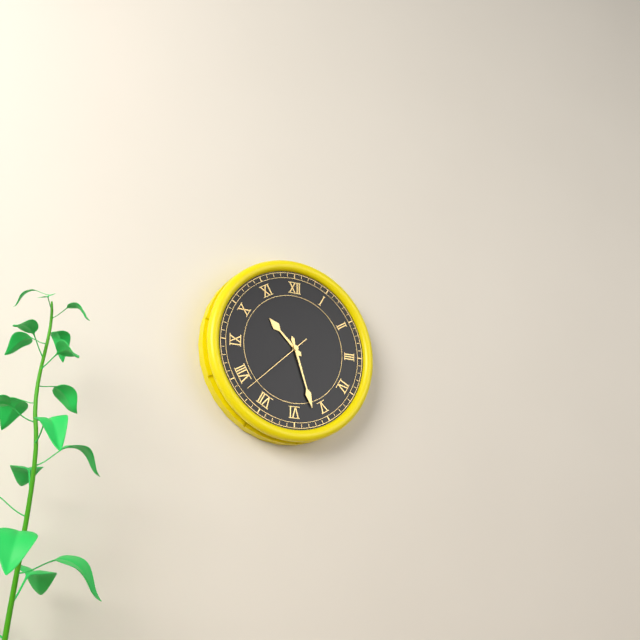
{"hour": 10, "minute": 27, "second": 38}
